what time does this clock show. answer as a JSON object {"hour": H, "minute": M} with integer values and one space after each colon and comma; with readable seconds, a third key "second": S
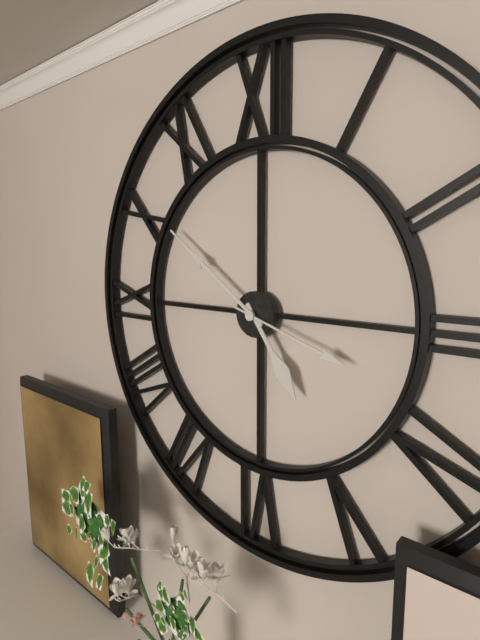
{"hour": 4, "minute": 51, "second": 18}
